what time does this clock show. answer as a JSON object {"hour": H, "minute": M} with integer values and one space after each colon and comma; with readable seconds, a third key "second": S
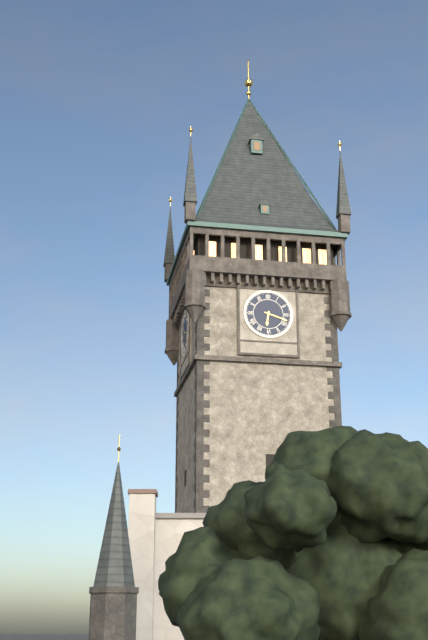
{"hour": 6, "minute": 18}
